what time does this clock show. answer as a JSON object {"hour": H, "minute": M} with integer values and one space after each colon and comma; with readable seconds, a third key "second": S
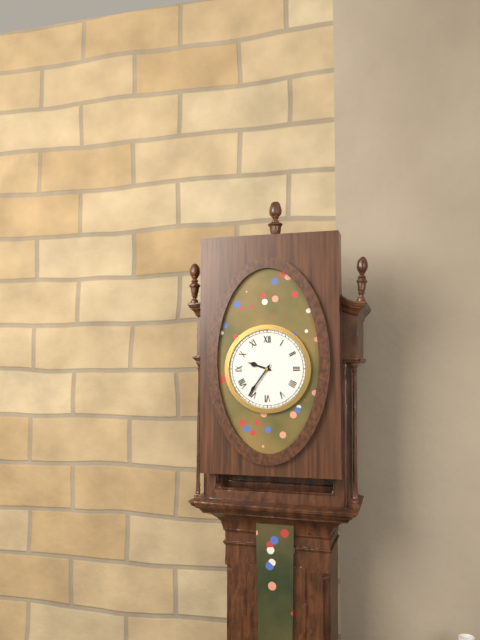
{"hour": 9, "minute": 36}
